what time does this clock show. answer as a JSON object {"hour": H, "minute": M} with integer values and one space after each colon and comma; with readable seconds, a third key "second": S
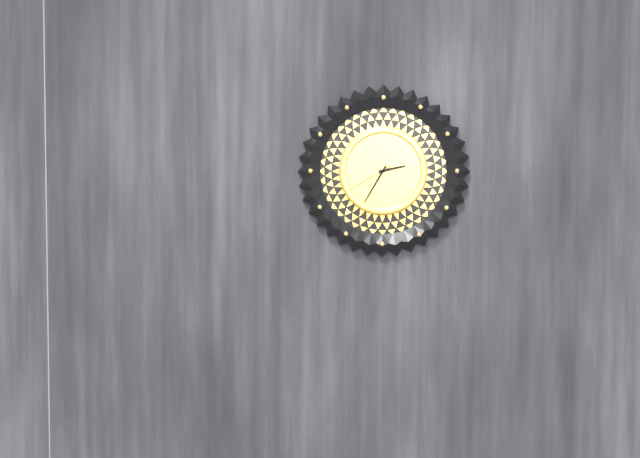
{"hour": 2, "minute": 35}
